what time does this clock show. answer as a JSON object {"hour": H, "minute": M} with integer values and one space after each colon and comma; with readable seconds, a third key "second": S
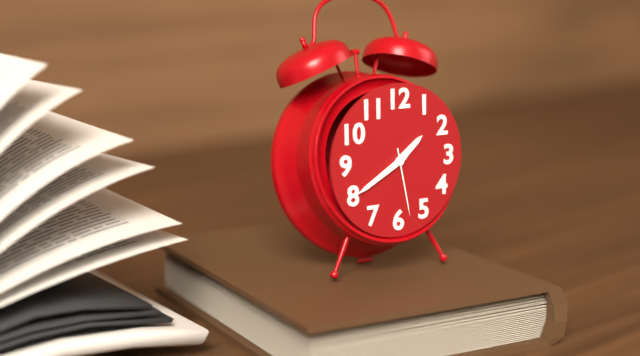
{"hour": 1, "minute": 40, "second": 28}
